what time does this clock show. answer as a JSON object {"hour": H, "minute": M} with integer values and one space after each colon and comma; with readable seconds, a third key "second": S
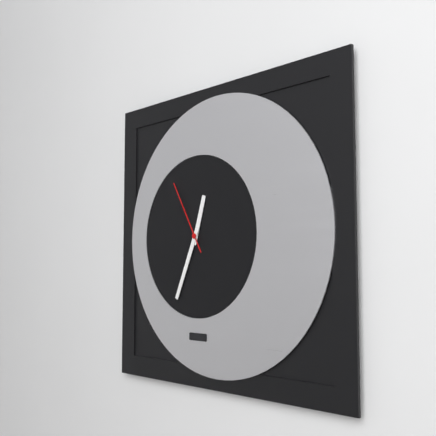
{"hour": 12, "minute": 34, "second": 55}
